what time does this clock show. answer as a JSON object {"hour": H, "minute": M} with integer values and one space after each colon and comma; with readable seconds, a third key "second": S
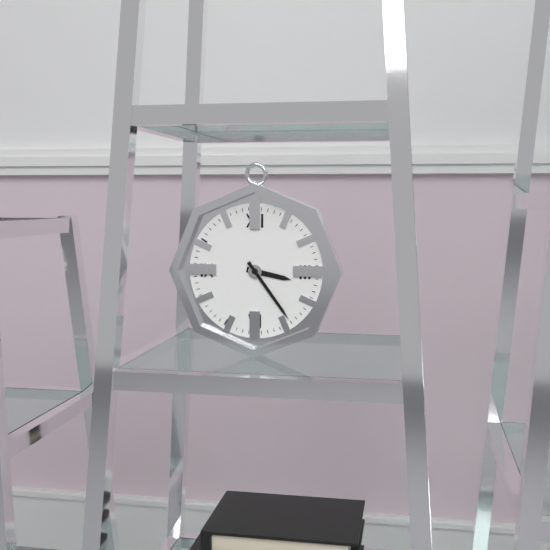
{"hour": 3, "minute": 24}
